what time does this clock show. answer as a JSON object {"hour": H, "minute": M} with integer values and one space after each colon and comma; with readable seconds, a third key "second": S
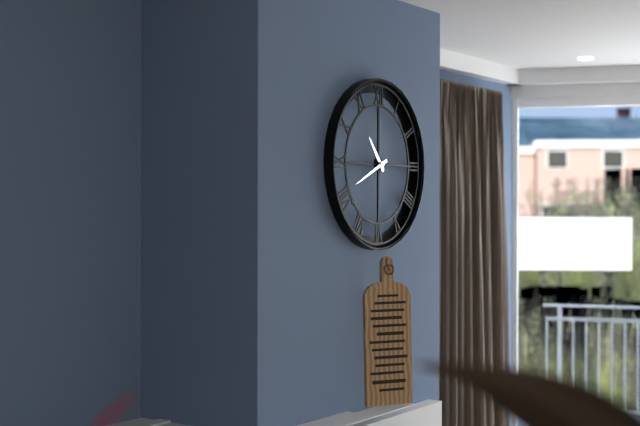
{"hour": 10, "minute": 41}
